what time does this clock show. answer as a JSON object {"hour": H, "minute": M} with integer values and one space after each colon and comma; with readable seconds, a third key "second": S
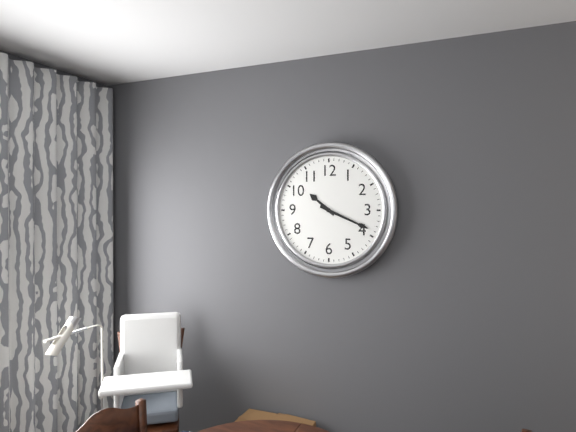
{"hour": 10, "minute": 19}
